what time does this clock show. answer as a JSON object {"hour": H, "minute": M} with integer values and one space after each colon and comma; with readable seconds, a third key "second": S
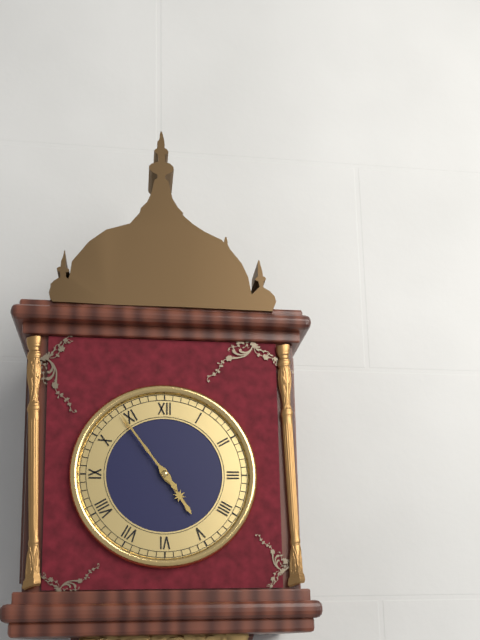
{"hour": 4, "minute": 54}
